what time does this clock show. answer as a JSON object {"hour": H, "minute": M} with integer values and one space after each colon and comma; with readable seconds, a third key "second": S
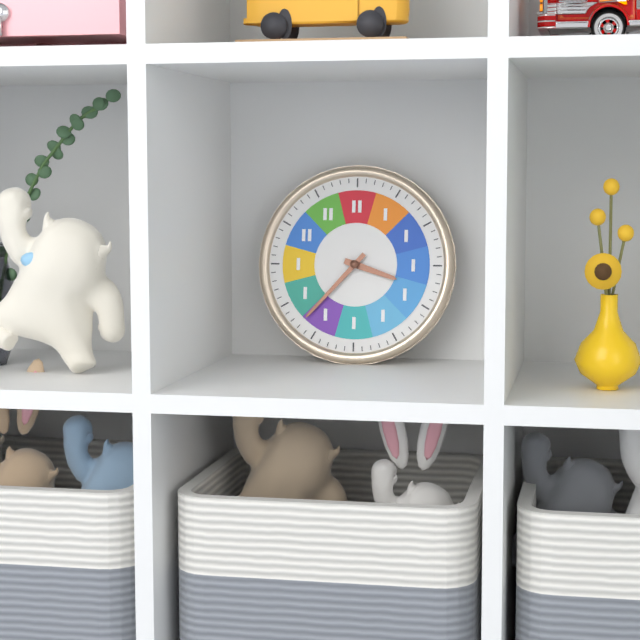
{"hour": 3, "minute": 37}
